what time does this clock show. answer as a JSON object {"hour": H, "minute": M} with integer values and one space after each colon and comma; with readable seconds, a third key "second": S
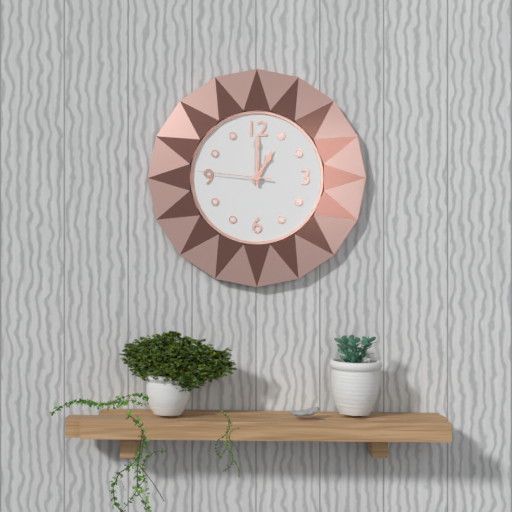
{"hour": 1, "minute": 0, "second": 46}
